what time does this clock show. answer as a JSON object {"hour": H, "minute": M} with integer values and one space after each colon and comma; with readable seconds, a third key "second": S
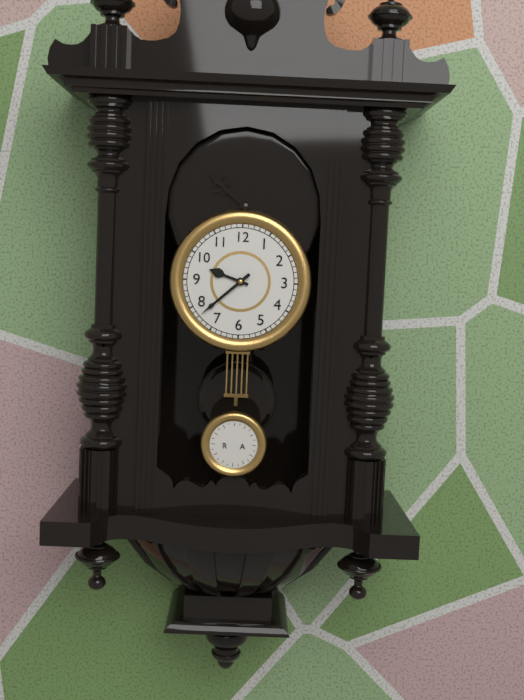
{"hour": 9, "minute": 38}
